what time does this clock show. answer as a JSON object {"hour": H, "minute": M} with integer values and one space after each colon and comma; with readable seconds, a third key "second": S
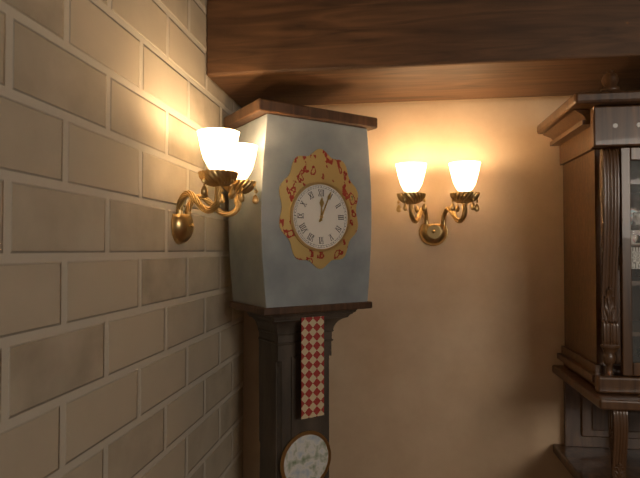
{"hour": 12, "minute": 4}
